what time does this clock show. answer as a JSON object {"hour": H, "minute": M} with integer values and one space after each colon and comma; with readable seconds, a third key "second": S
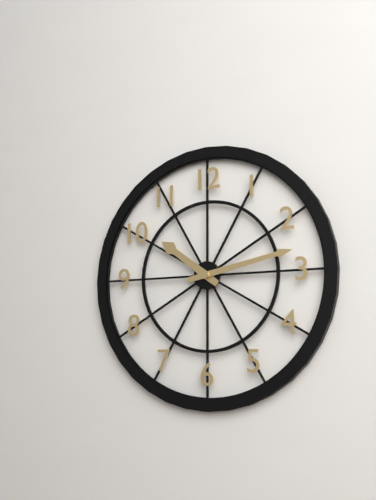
{"hour": 10, "minute": 13}
